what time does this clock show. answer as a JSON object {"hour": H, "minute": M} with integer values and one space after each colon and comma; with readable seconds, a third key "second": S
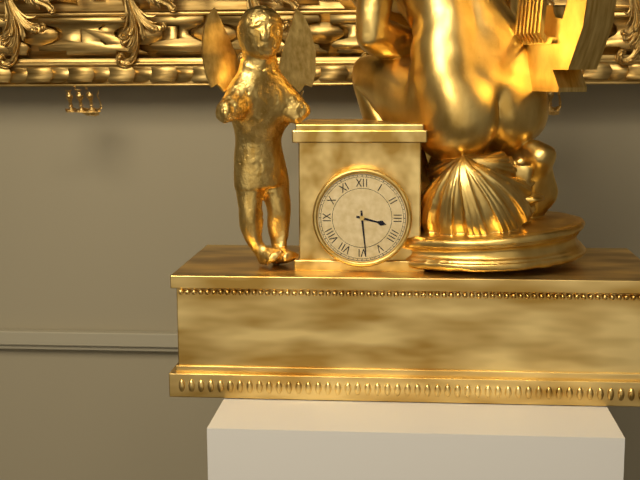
{"hour": 3, "minute": 29}
